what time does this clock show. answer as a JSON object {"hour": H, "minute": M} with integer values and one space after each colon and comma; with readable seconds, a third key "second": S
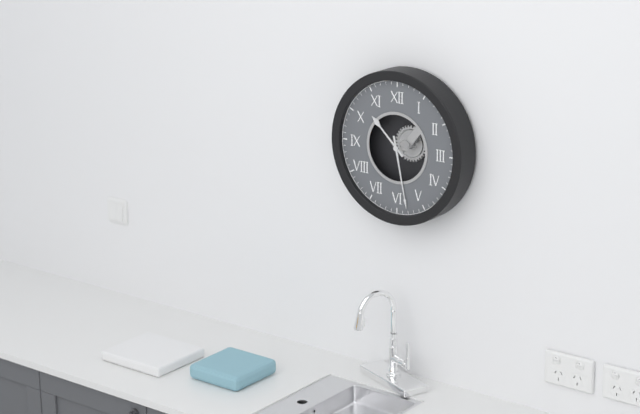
{"hour": 10, "minute": 28}
